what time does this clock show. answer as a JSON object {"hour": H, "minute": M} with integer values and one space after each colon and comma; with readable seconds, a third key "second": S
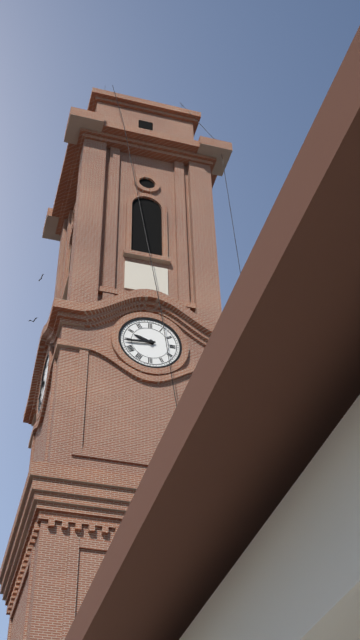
{"hour": 9, "minute": 44}
